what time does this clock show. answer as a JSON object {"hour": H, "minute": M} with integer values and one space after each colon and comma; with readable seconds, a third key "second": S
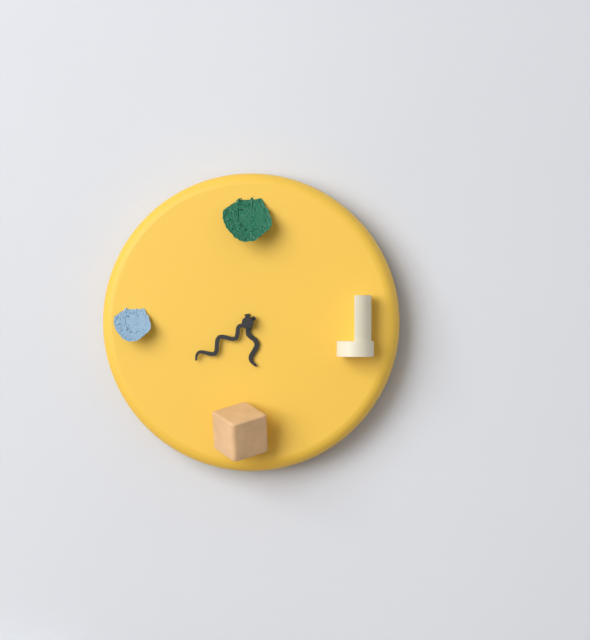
{"hour": 5, "minute": 39}
